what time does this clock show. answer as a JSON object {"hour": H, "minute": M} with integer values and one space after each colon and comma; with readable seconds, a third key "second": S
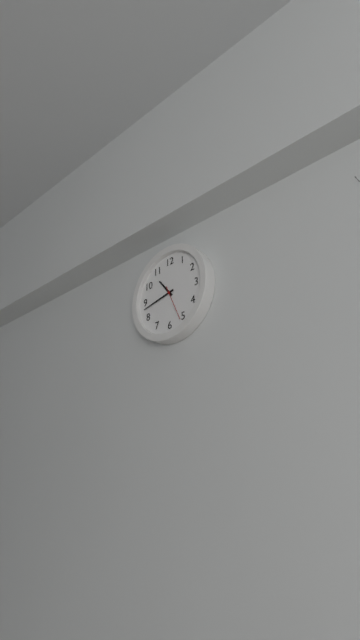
{"hour": 10, "minute": 43}
